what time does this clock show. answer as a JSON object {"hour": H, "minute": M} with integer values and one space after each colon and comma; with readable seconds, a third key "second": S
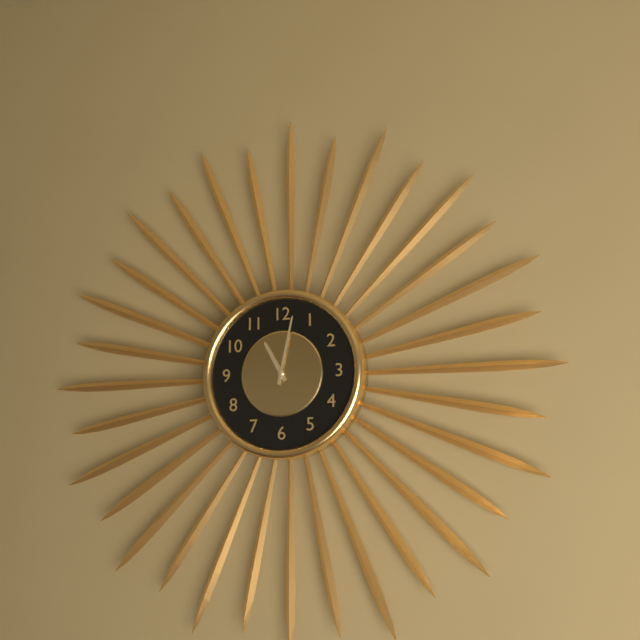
{"hour": 11, "minute": 2}
